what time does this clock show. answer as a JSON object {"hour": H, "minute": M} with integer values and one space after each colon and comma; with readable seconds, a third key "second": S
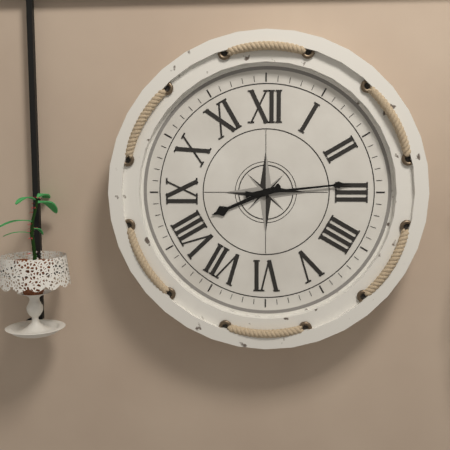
{"hour": 8, "minute": 14}
